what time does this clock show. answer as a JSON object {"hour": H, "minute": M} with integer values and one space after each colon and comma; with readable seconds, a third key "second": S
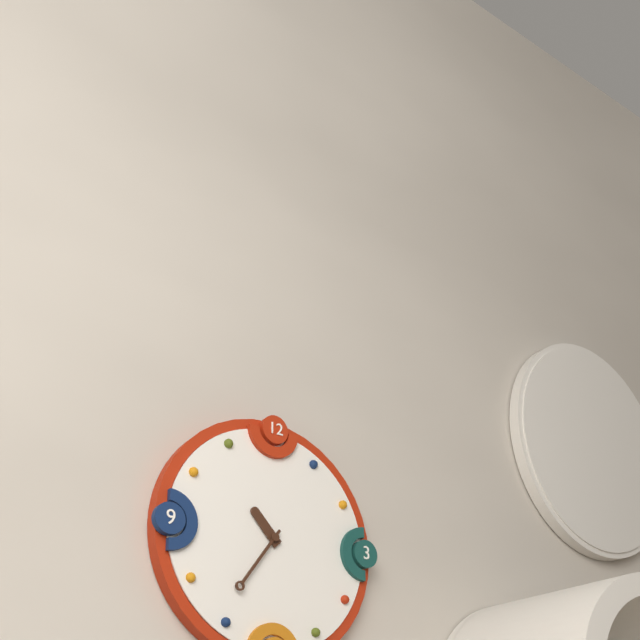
{"hour": 10, "minute": 36}
